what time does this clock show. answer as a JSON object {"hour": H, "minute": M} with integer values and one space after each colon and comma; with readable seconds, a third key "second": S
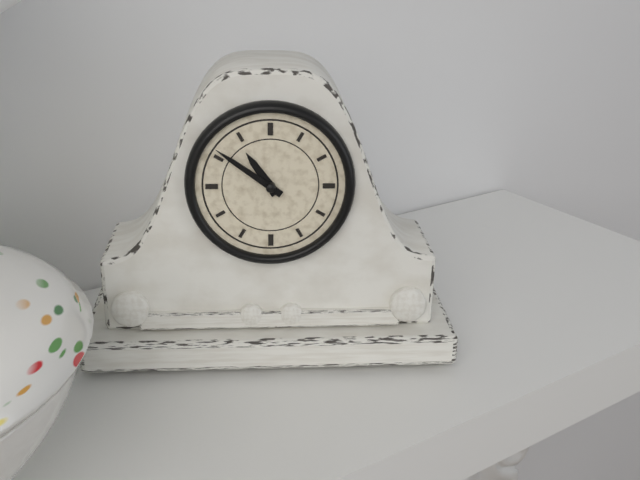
{"hour": 10, "minute": 51}
